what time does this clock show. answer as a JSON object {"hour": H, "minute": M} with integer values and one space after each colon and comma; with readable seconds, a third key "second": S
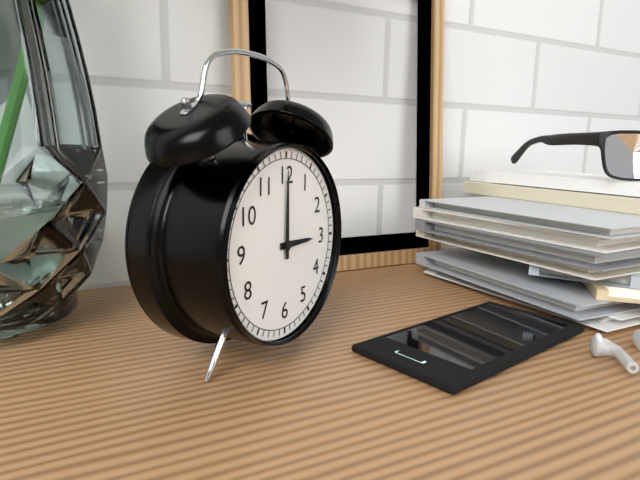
{"hour": 3, "minute": 0}
